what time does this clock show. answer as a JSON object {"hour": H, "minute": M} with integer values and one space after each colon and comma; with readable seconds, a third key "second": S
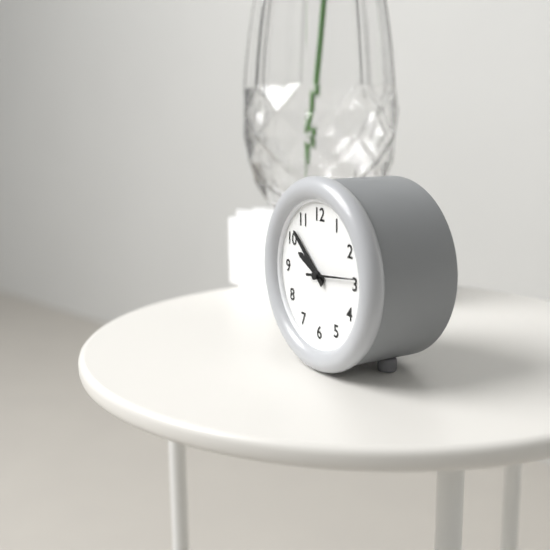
{"hour": 9, "minute": 52}
